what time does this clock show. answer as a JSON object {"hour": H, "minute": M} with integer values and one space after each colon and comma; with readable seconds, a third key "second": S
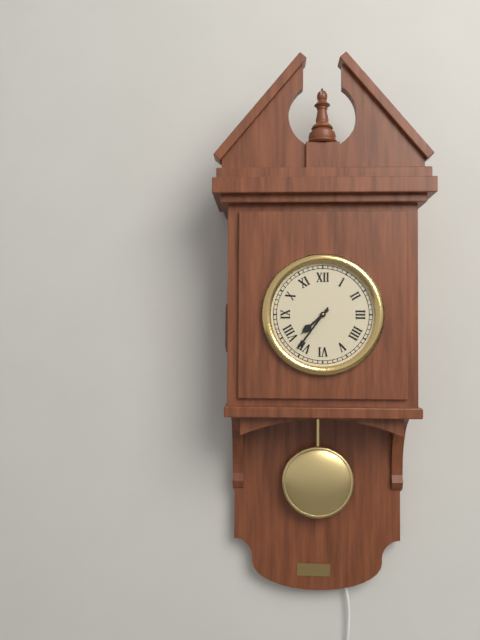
{"hour": 7, "minute": 36}
